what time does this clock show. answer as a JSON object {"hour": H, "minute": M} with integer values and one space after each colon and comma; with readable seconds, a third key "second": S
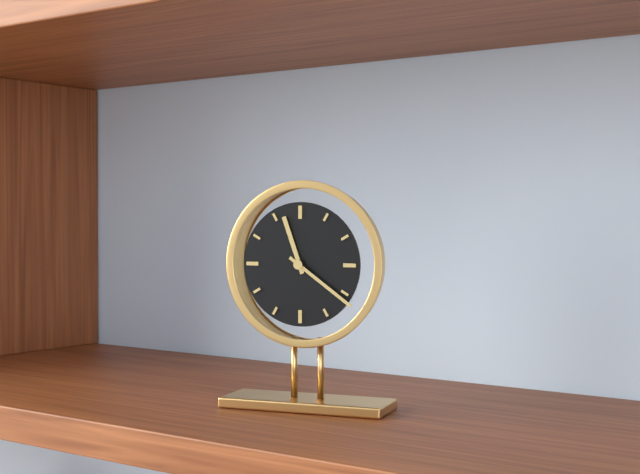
{"hour": 11, "minute": 21}
